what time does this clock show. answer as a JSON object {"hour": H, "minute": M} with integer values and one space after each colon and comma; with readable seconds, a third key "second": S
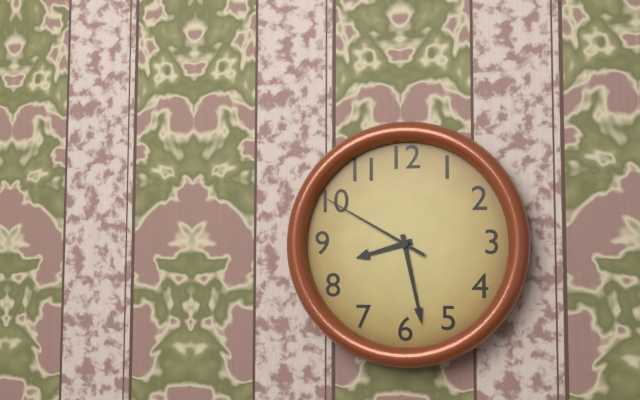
{"hour": 8, "minute": 28, "second": 50}
